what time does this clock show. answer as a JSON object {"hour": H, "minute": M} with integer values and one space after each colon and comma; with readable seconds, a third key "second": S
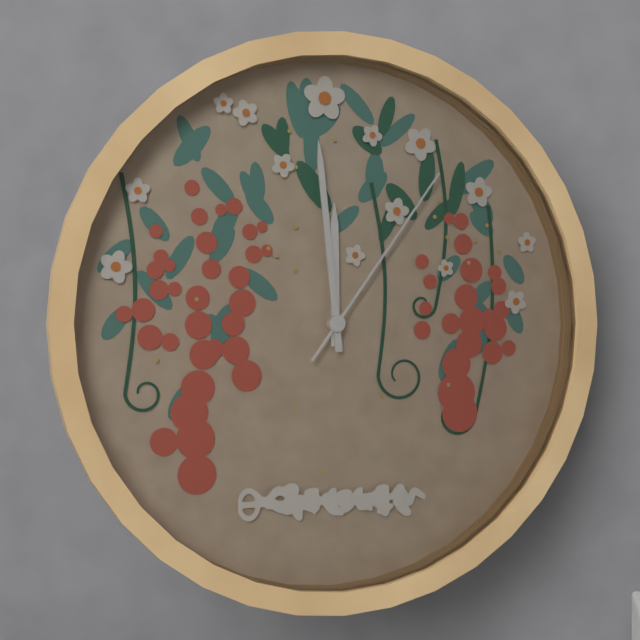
{"hour": 11, "minute": 59, "second": 6}
